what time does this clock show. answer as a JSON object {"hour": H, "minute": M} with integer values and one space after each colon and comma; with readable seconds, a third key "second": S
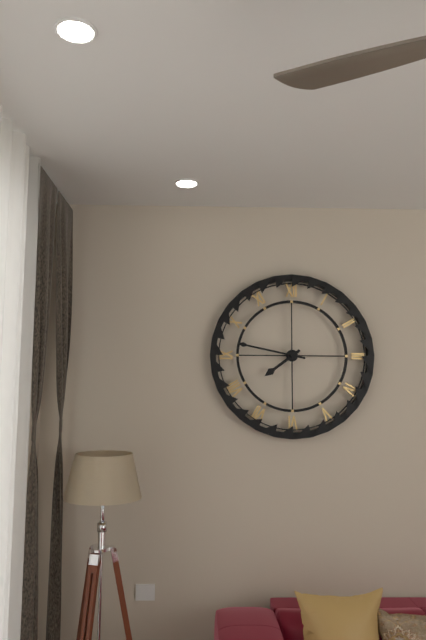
{"hour": 7, "minute": 47}
